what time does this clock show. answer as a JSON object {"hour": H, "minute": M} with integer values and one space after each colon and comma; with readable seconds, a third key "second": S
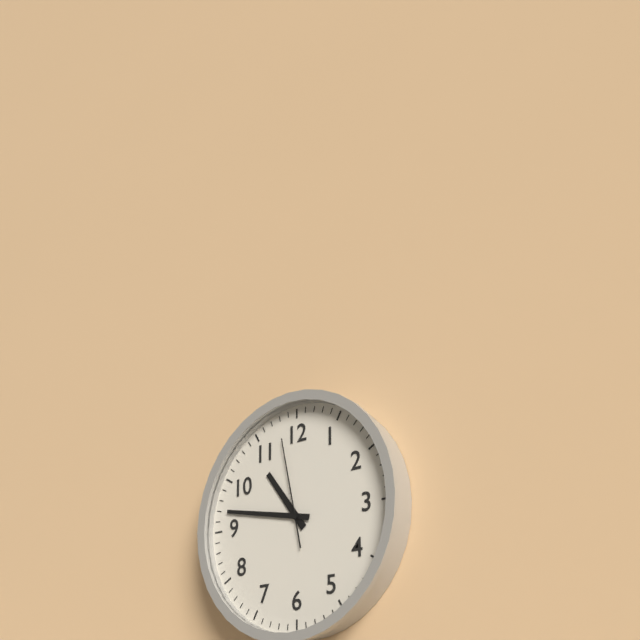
{"hour": 10, "minute": 47, "second": 58}
